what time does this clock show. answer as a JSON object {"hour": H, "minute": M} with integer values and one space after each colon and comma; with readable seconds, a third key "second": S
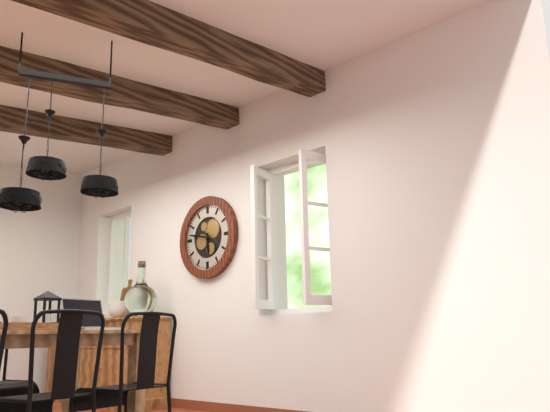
{"hour": 5, "minute": 47}
